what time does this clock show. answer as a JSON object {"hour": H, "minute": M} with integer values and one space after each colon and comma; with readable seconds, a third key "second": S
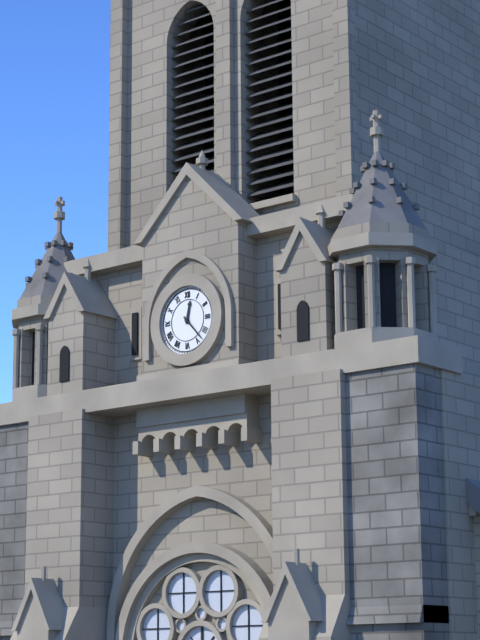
{"hour": 12, "minute": 23}
